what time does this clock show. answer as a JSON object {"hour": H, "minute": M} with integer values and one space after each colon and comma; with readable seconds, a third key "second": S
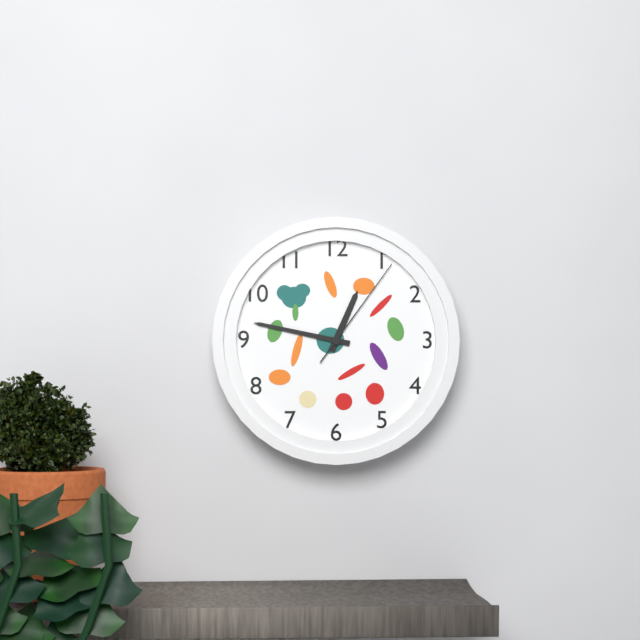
{"hour": 12, "minute": 47, "second": 6}
